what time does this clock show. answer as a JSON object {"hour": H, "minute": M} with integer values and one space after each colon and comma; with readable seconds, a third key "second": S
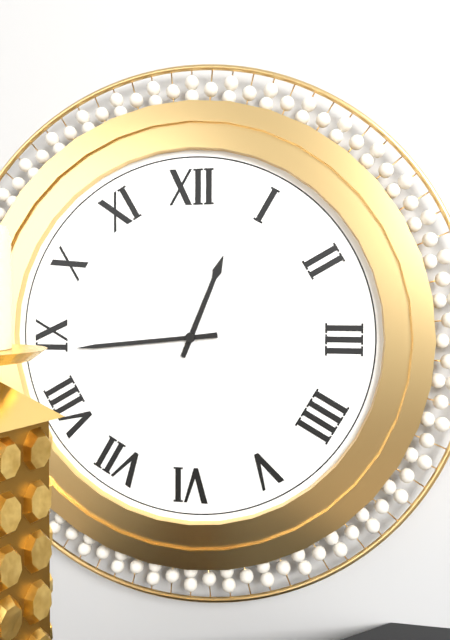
{"hour": 12, "minute": 44}
